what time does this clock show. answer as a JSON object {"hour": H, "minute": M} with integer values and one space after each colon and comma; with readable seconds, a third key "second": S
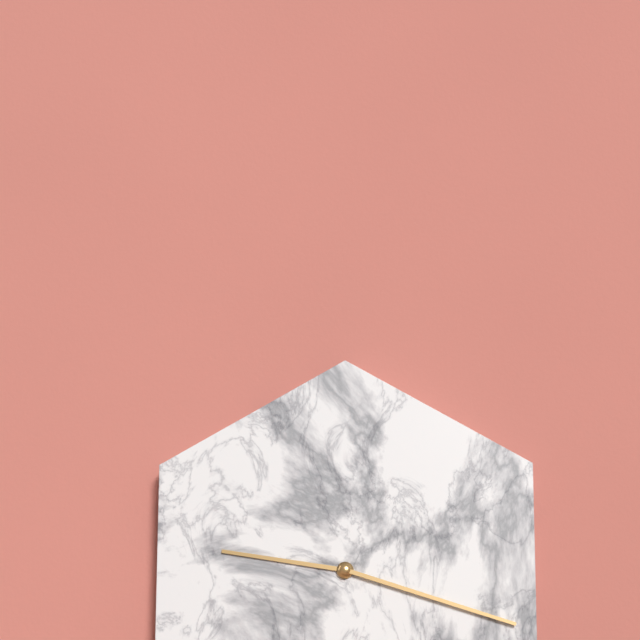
{"hour": 9, "minute": 18}
